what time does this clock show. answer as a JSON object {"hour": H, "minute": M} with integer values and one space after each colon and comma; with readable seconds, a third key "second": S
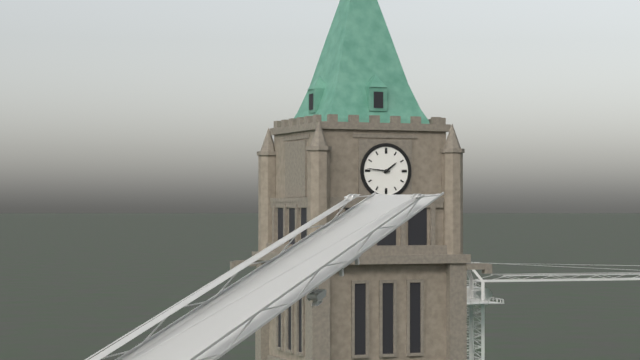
{"hour": 1, "minute": 46}
